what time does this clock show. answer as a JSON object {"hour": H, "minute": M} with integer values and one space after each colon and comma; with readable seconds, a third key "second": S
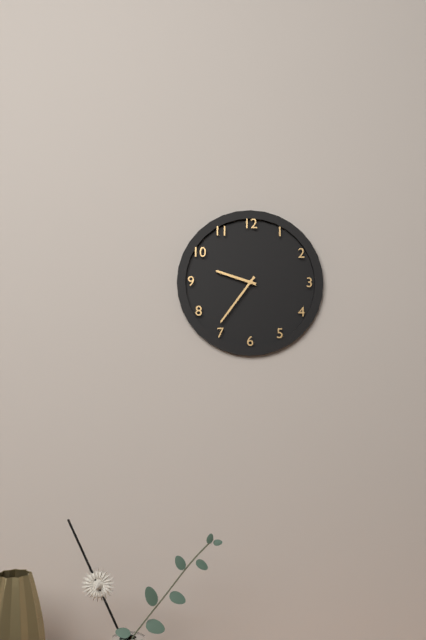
{"hour": 9, "minute": 36}
